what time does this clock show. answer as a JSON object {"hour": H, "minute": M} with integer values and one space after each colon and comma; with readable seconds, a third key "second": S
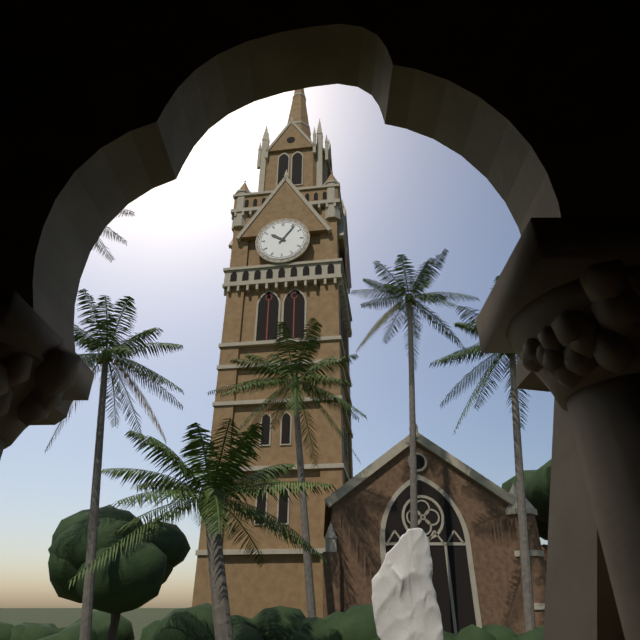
{"hour": 10, "minute": 6}
